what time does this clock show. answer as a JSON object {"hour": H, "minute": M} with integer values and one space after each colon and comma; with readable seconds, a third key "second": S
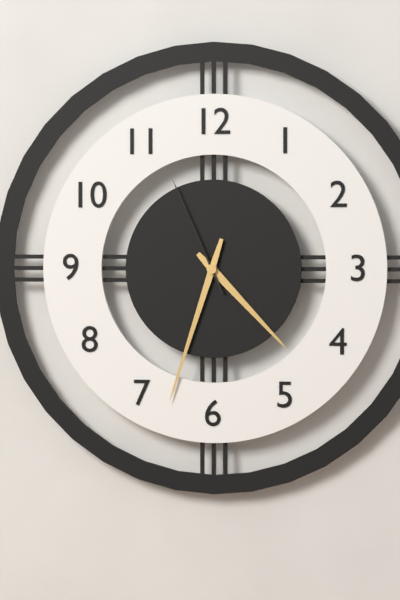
{"hour": 4, "minute": 33, "second": 56}
